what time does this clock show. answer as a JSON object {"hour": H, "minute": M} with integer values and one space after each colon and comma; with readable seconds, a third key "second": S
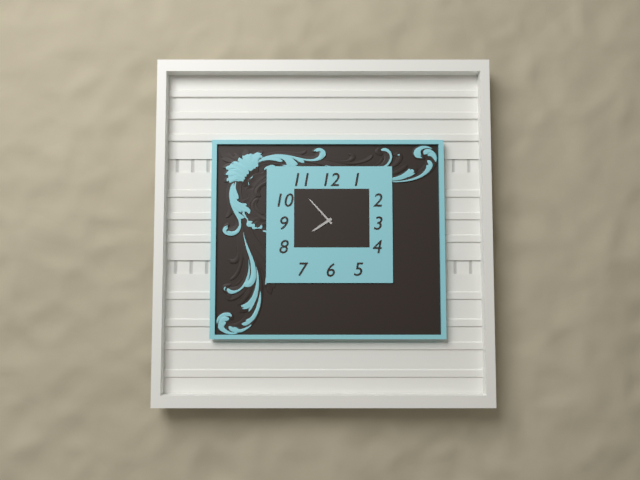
{"hour": 7, "minute": 53}
